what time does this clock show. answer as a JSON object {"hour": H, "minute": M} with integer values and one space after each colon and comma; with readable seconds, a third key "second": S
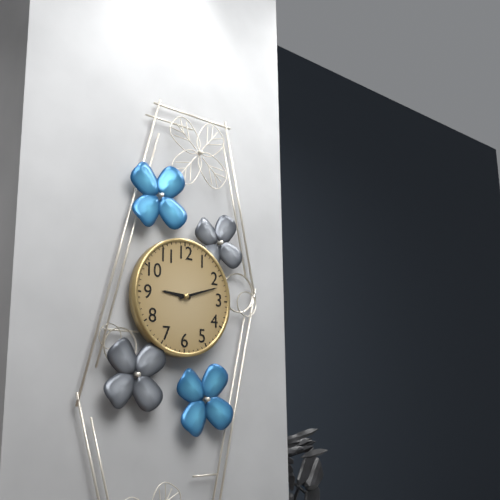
{"hour": 9, "minute": 12}
